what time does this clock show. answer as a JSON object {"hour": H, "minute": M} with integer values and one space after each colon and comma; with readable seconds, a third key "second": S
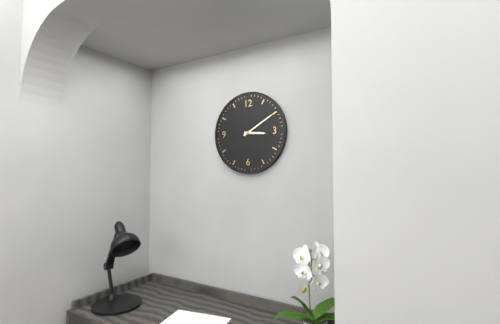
{"hour": 3, "minute": 10}
